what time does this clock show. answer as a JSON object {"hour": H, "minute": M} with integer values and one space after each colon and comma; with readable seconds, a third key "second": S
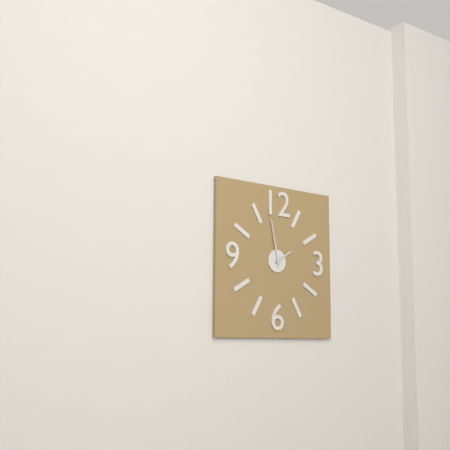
{"hour": 1, "minute": 58}
